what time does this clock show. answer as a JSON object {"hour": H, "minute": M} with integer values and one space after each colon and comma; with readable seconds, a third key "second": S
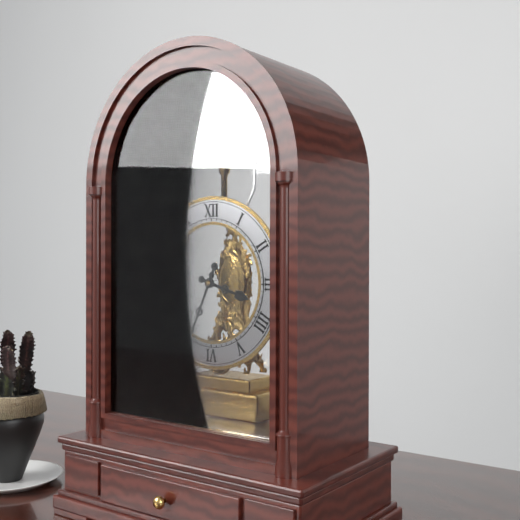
{"hour": 3, "minute": 34}
